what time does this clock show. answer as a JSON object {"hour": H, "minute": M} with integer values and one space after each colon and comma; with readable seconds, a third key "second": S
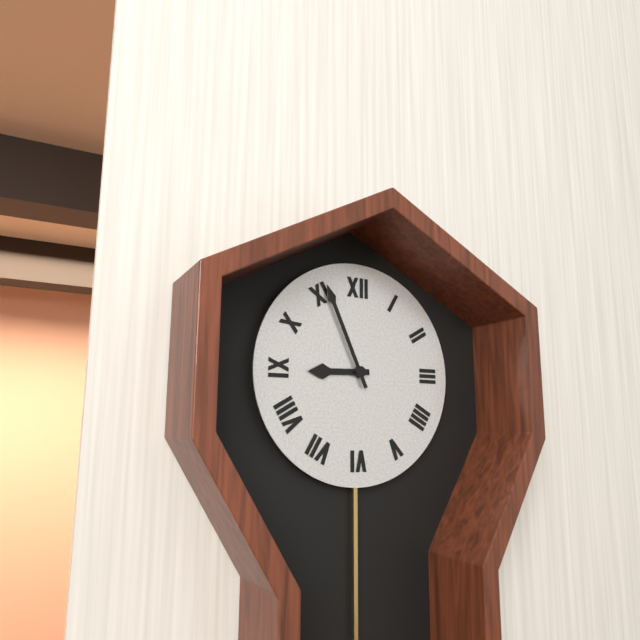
{"hour": 8, "minute": 56}
